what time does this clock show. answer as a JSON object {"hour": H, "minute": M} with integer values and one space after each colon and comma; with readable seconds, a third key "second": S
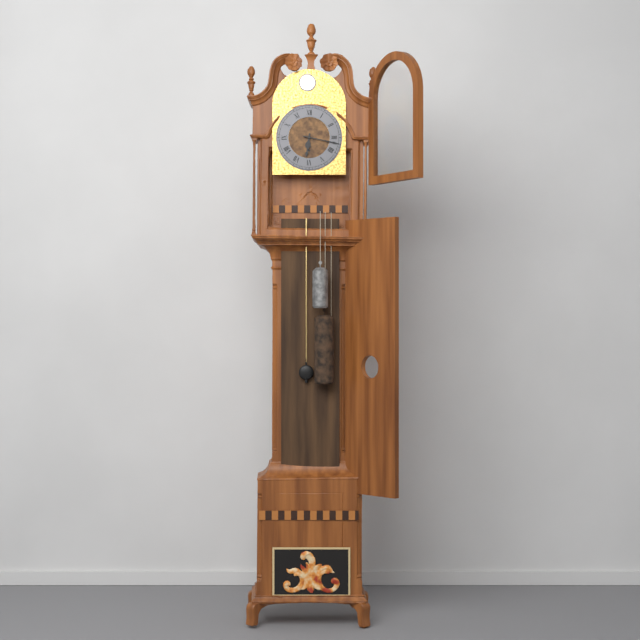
{"hour": 6, "minute": 17}
